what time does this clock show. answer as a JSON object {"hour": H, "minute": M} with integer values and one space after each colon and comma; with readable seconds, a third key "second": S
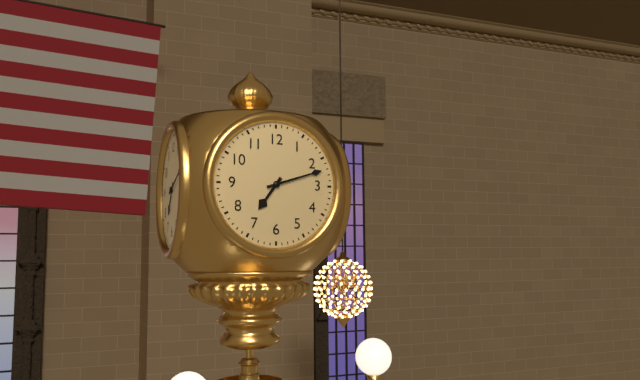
{"hour": 7, "minute": 12}
